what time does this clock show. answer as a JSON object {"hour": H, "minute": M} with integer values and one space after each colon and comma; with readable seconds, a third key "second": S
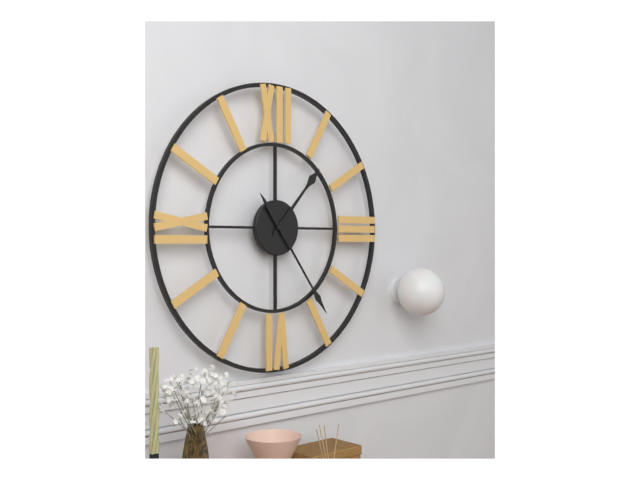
{"hour": 1, "minute": 24}
